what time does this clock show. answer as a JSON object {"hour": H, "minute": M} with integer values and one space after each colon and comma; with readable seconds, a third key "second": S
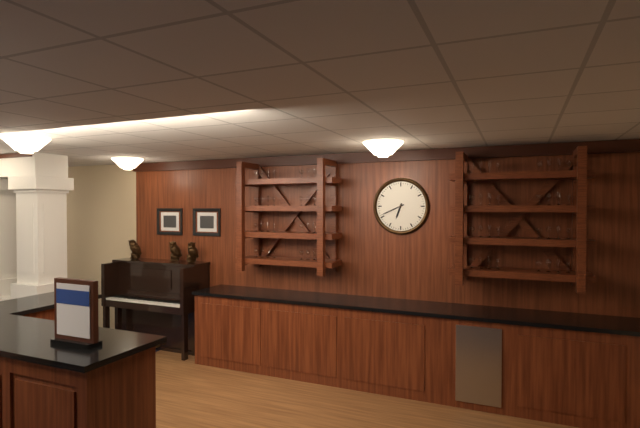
{"hour": 6, "minute": 41}
